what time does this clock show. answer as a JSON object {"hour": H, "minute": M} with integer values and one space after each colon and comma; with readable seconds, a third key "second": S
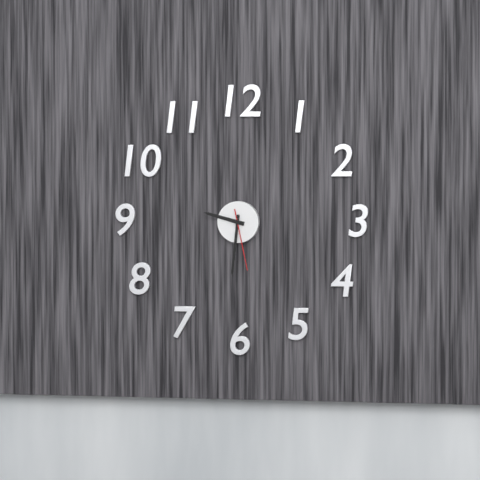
{"hour": 9, "minute": 31, "second": 28}
